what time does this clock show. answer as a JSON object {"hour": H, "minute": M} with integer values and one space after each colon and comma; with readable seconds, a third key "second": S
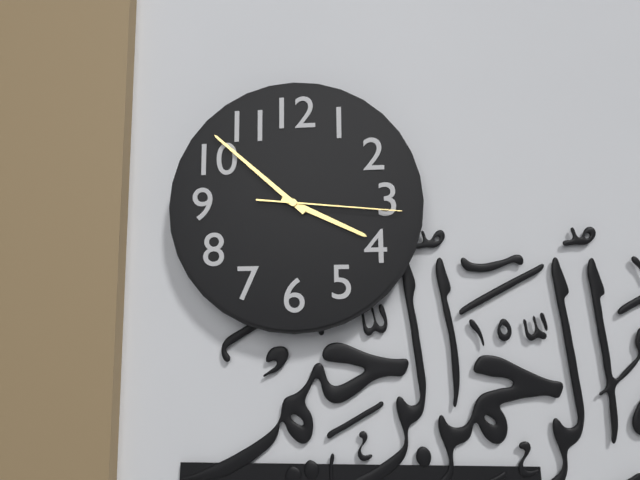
{"hour": 3, "minute": 52, "second": 16}
